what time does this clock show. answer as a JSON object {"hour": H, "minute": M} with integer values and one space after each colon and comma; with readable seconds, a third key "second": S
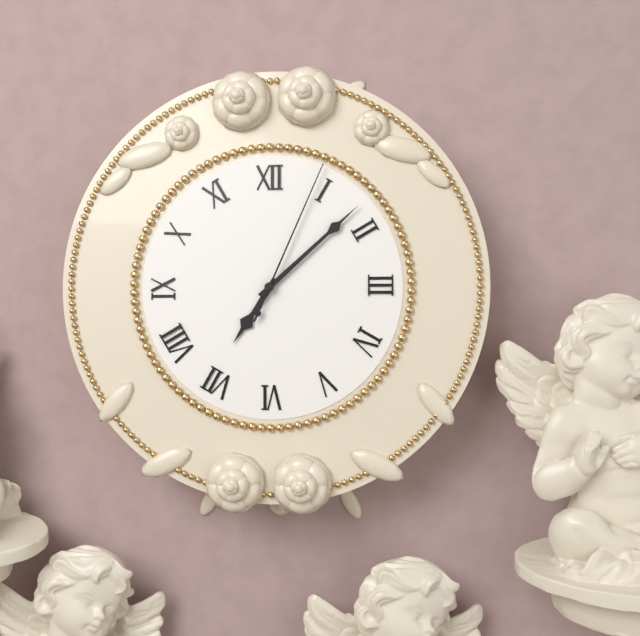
{"hour": 7, "minute": 8, "second": 4}
